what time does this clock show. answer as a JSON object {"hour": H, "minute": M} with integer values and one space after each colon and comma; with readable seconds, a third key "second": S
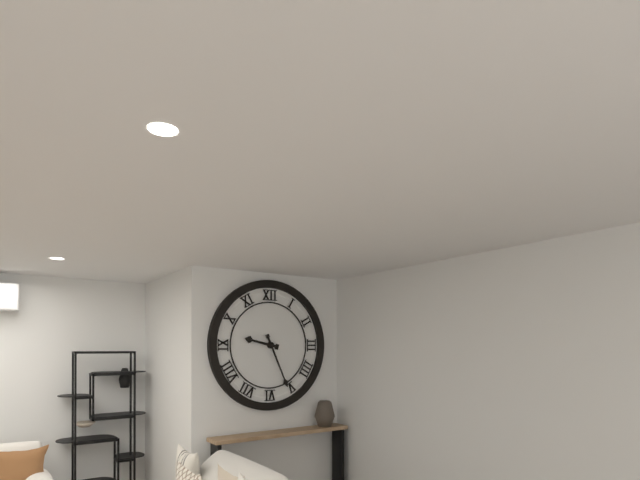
{"hour": 9, "minute": 26}
